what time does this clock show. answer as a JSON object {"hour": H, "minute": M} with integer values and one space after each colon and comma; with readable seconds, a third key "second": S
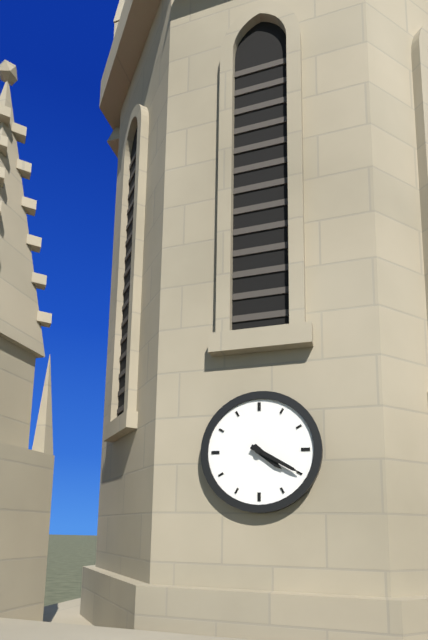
{"hour": 4, "minute": 20}
